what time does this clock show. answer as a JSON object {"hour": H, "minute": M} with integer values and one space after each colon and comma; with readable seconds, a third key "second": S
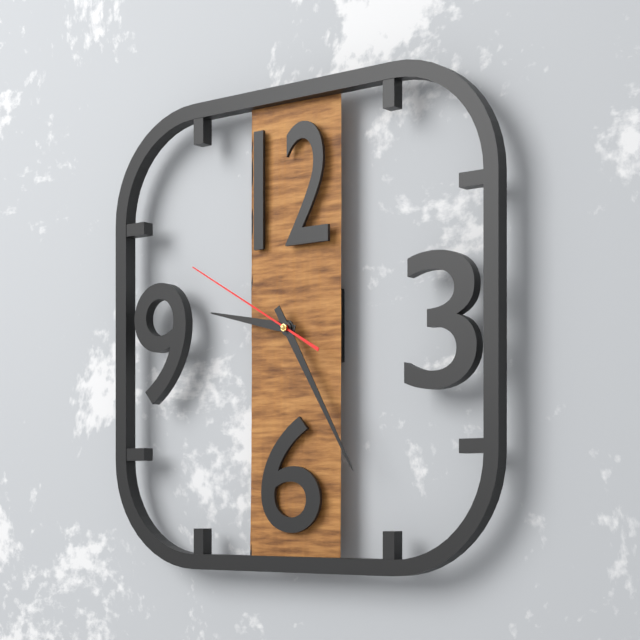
{"hour": 9, "minute": 25, "second": 50}
